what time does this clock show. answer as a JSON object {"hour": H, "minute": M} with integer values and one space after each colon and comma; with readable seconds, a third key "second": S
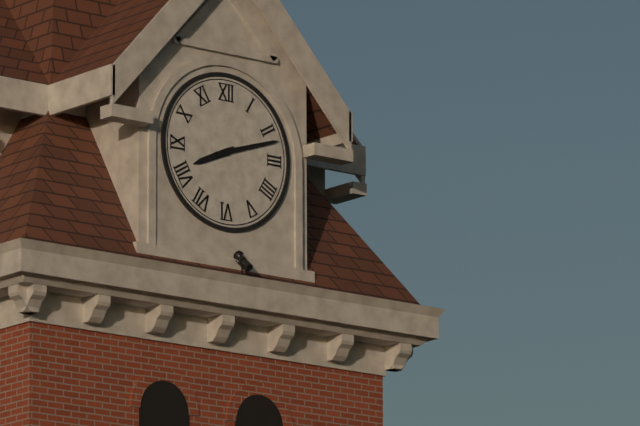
{"hour": 8, "minute": 12}
